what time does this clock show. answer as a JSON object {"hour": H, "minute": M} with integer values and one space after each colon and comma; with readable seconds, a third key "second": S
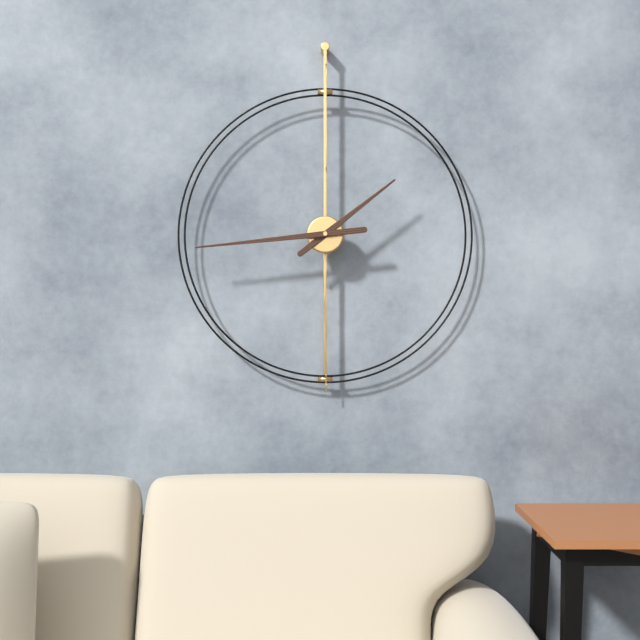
{"hour": 1, "minute": 44}
